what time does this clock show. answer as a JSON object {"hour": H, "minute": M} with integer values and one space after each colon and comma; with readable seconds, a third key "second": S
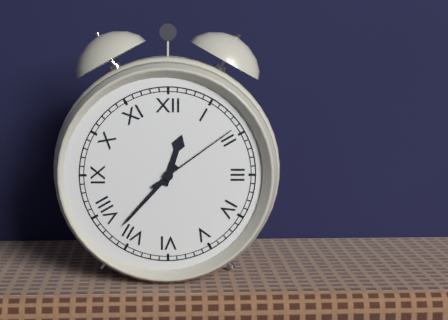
{"hour": 12, "minute": 37, "second": 9}
